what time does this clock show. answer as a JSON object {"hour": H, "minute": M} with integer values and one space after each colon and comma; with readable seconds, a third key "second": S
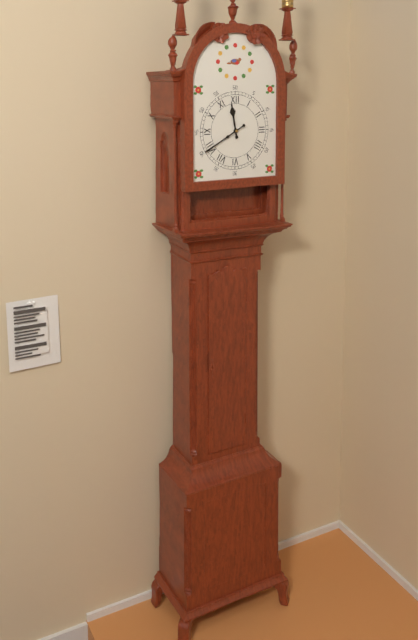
{"hour": 11, "minute": 40}
